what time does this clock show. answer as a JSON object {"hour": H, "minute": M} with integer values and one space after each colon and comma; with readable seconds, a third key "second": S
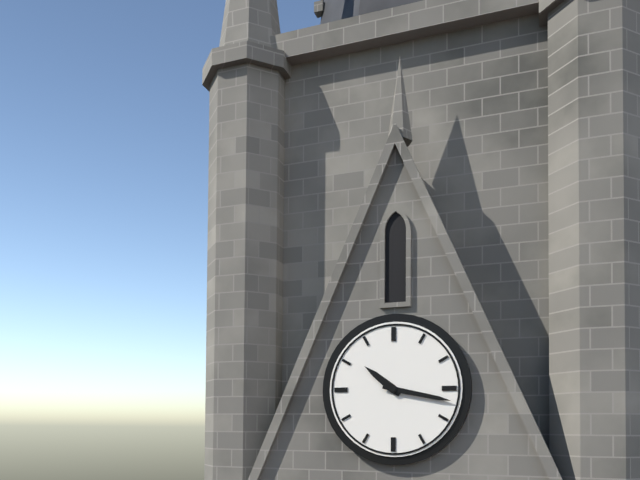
{"hour": 10, "minute": 17}
